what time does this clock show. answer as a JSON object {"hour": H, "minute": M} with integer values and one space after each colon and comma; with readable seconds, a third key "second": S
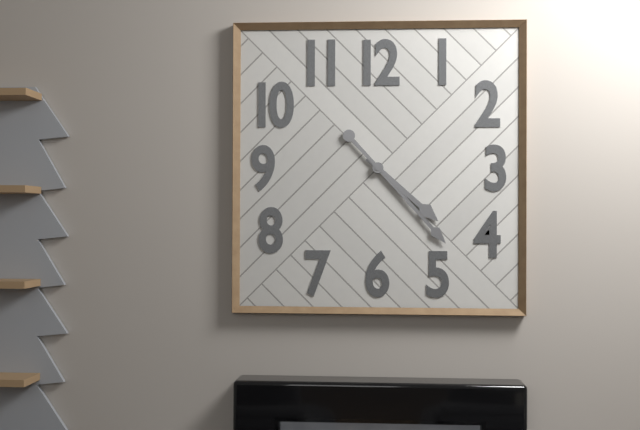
{"hour": 4, "minute": 23}
